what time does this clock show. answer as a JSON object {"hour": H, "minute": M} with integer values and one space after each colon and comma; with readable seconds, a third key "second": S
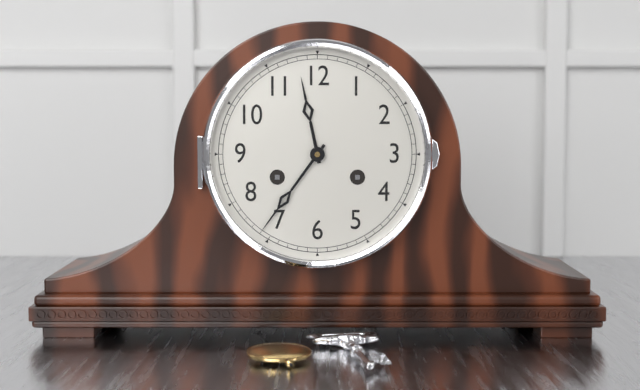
{"hour": 11, "minute": 36}
